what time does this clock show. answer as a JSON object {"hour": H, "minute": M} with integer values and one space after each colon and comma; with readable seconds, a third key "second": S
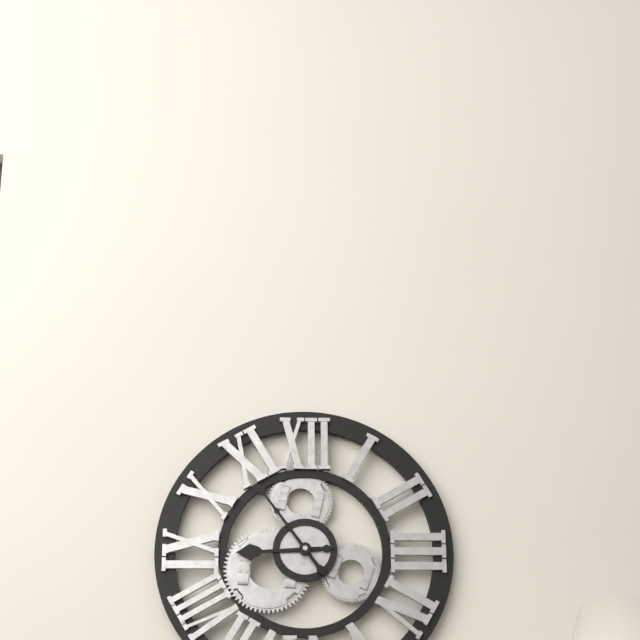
{"hour": 8, "minute": 54}
